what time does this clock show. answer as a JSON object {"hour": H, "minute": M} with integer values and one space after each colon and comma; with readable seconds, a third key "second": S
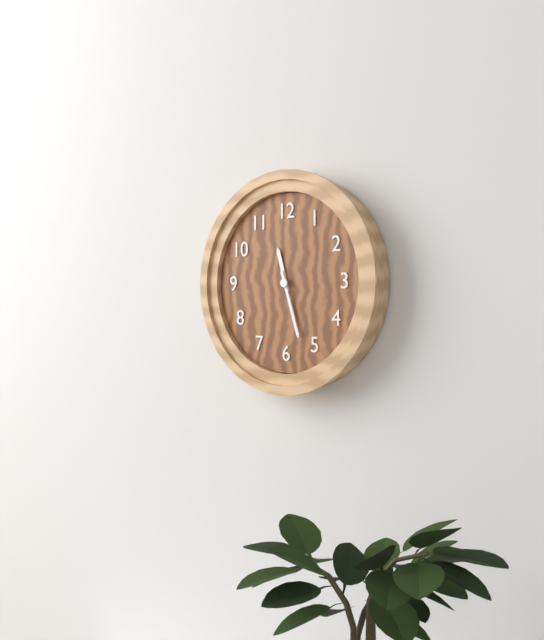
{"hour": 11, "minute": 27}
